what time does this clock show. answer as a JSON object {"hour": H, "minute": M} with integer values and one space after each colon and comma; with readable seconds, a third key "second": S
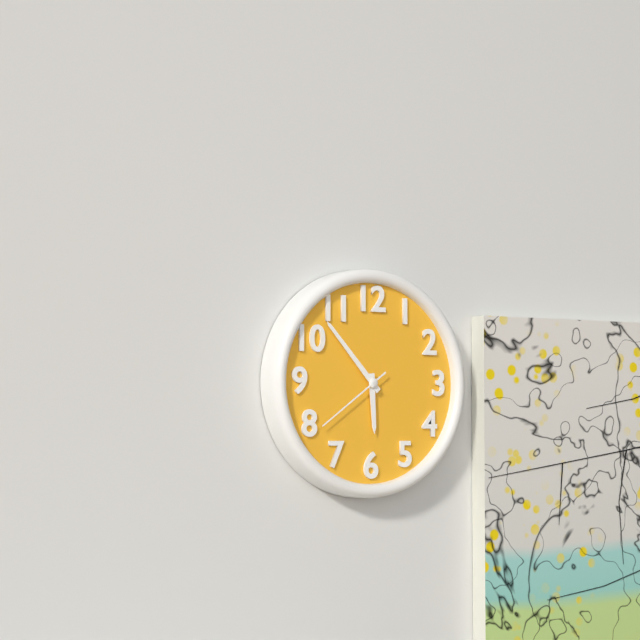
{"hour": 5, "minute": 53, "second": 39}
